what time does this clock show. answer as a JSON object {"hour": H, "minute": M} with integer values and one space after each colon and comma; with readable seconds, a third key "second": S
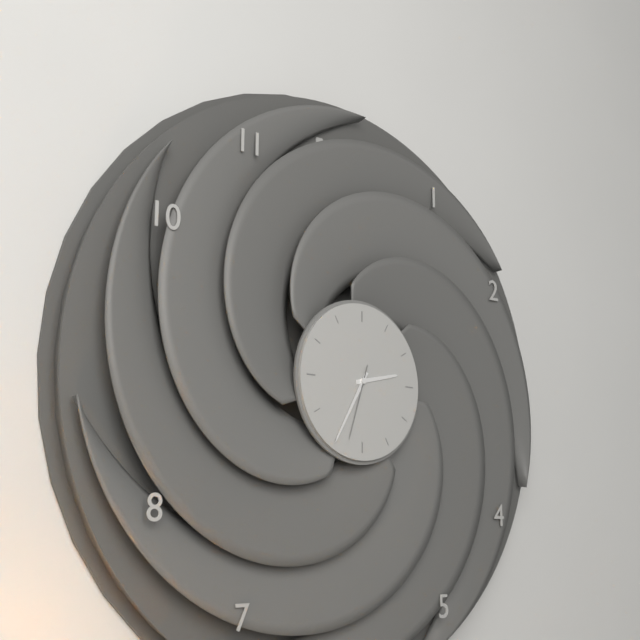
{"hour": 2, "minute": 35, "second": 33}
